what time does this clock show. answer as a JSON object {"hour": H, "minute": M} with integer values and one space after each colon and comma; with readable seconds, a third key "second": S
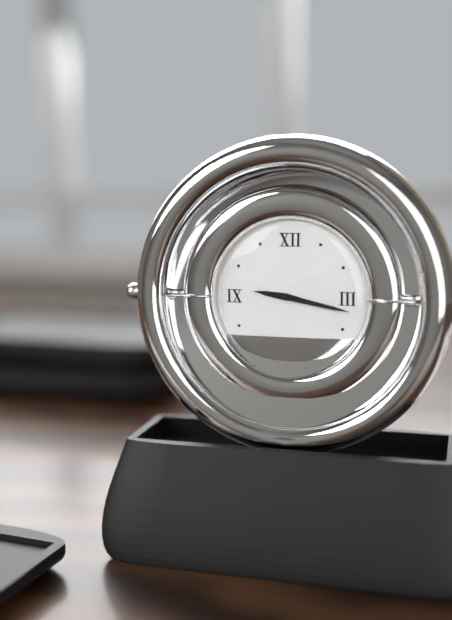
{"hour": 9, "minute": 17}
